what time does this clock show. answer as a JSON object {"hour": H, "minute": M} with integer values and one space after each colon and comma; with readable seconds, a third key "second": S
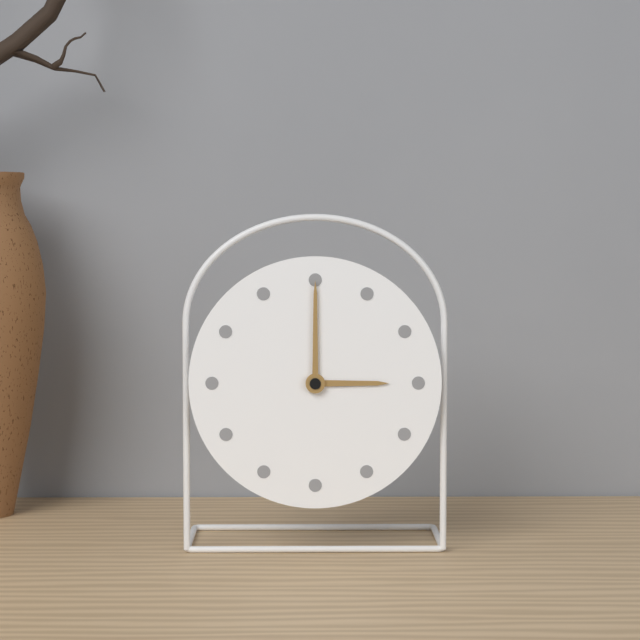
{"hour": 3, "minute": 0}
